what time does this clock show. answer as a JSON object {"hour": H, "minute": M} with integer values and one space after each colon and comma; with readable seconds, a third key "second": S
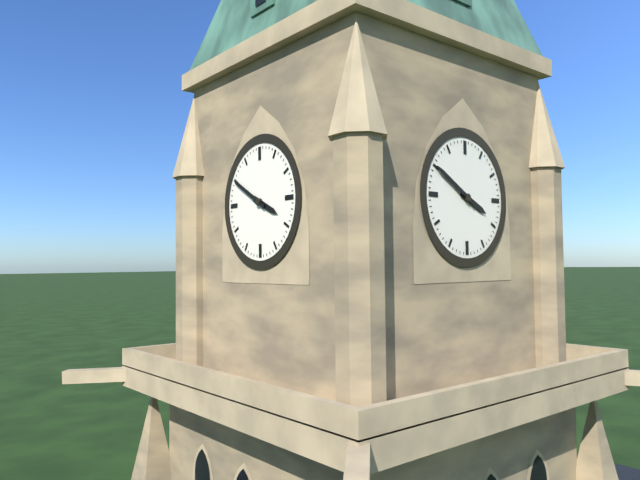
{"hour": 3, "minute": 50}
